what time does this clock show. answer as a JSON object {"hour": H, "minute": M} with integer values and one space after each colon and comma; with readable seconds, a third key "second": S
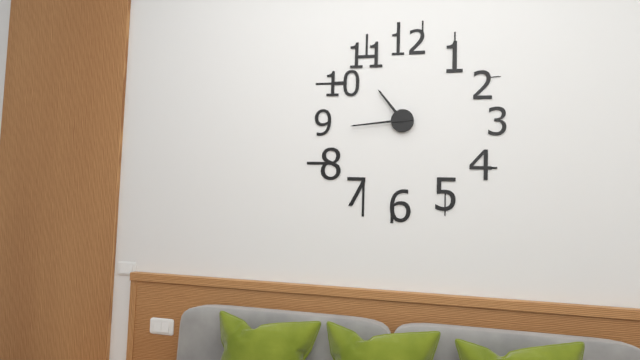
{"hour": 10, "minute": 44}
